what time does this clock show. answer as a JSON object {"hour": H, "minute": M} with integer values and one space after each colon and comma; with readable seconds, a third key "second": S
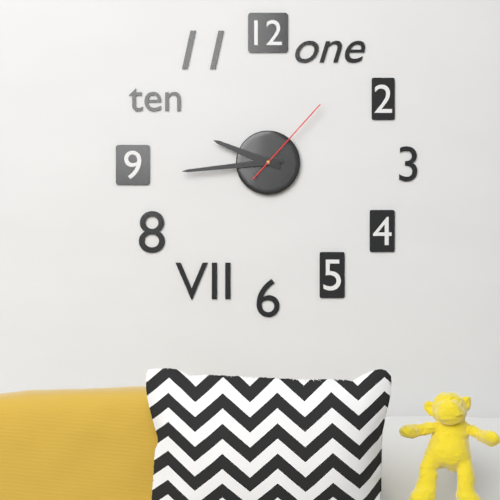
{"hour": 9, "minute": 44, "second": 7}
